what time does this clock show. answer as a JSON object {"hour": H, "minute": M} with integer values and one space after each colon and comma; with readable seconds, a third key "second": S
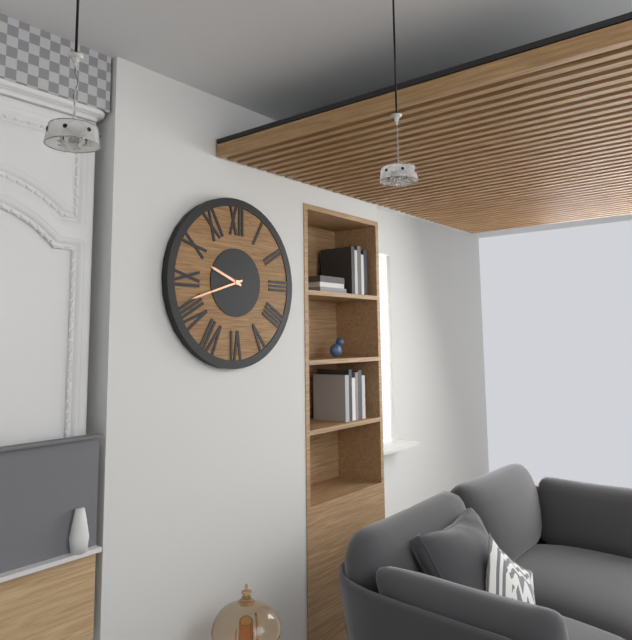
{"hour": 9, "minute": 42}
